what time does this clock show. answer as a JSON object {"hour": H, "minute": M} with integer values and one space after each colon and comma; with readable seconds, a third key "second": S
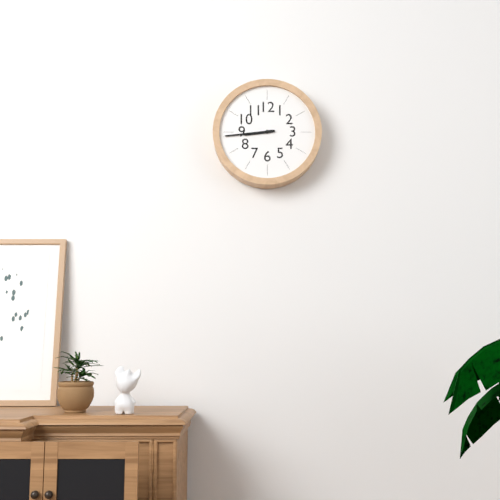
{"hour": 8, "minute": 44}
